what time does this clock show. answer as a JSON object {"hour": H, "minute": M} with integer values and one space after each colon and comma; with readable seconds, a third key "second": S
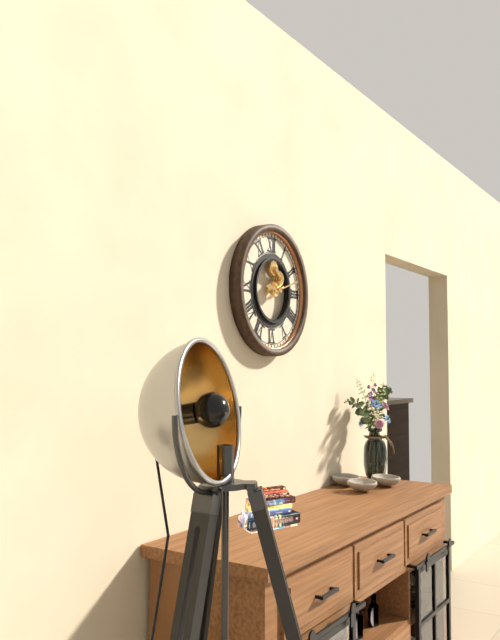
{"hour": 9, "minute": 12}
